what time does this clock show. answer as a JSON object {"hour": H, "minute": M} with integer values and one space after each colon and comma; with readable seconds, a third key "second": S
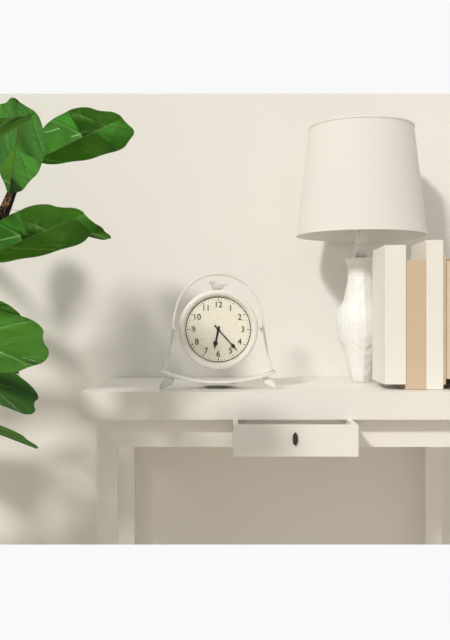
{"hour": 6, "minute": 23}
